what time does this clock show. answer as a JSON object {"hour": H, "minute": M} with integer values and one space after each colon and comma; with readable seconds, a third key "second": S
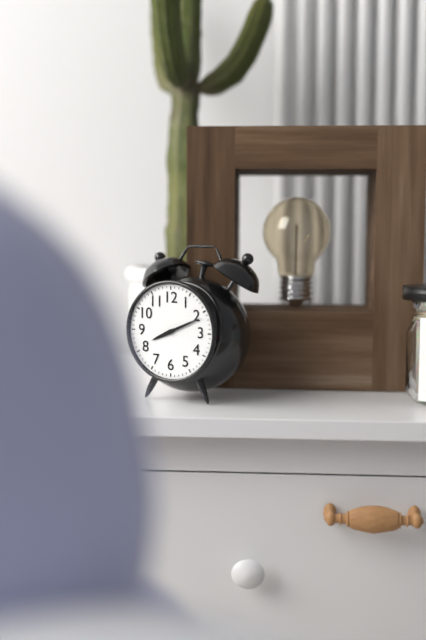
{"hour": 8, "minute": 11}
